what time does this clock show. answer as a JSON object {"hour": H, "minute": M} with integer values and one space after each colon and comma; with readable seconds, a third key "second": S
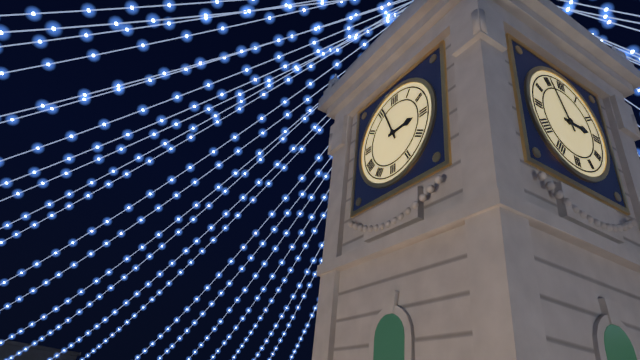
{"hour": 2, "minute": 56}
